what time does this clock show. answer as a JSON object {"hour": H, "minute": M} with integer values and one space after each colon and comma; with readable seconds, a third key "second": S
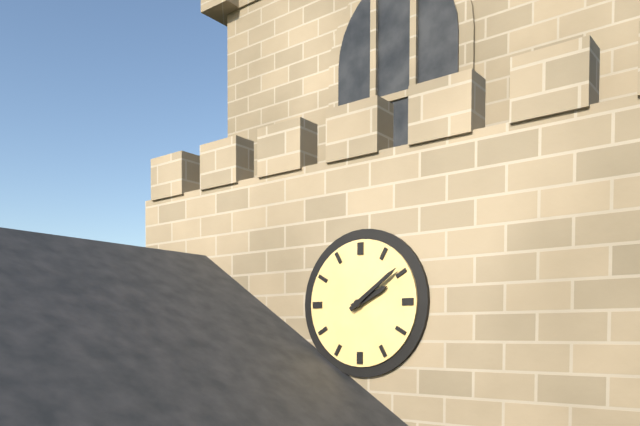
{"hour": 2, "minute": 9}
